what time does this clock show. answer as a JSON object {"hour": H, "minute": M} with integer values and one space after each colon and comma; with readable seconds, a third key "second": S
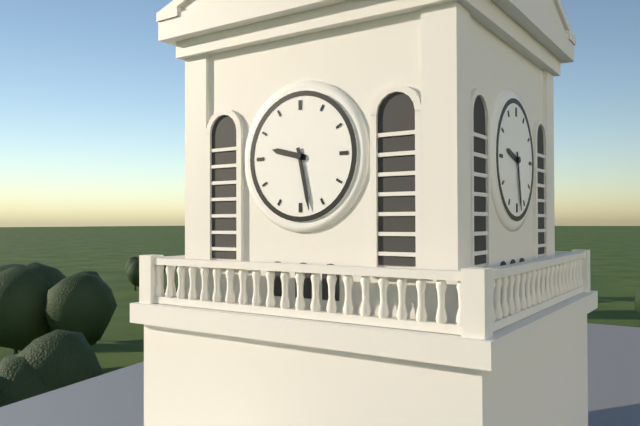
{"hour": 9, "minute": 28}
